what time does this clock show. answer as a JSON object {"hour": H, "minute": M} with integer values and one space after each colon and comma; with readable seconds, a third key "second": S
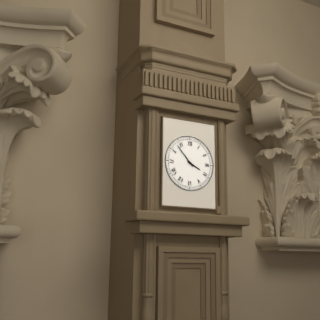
{"hour": 3, "minute": 53}
